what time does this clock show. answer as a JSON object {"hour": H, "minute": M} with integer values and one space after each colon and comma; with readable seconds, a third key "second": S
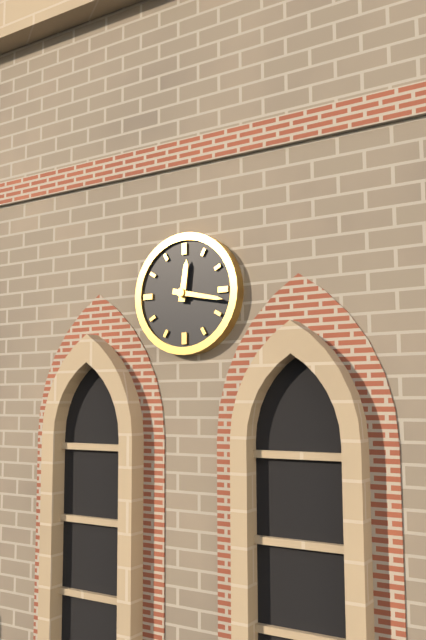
{"hour": 12, "minute": 17}
